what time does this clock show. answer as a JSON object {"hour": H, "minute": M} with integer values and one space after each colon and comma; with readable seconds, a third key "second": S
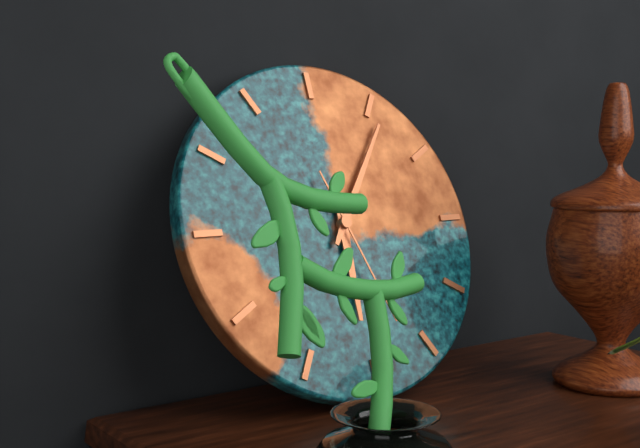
{"hour": 6, "minute": 6, "second": 27}
